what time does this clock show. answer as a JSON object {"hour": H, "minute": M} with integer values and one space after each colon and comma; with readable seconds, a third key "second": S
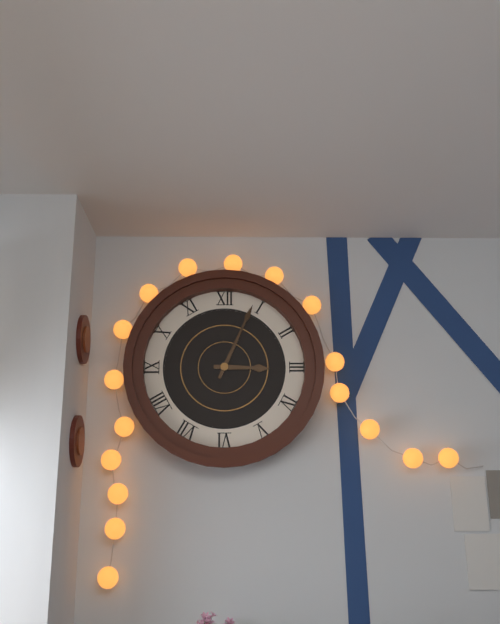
{"hour": 3, "minute": 4}
